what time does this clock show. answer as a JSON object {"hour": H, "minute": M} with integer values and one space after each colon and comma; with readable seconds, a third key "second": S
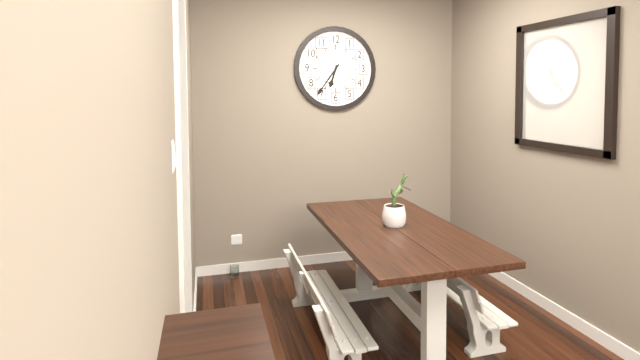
{"hour": 6, "minute": 36}
